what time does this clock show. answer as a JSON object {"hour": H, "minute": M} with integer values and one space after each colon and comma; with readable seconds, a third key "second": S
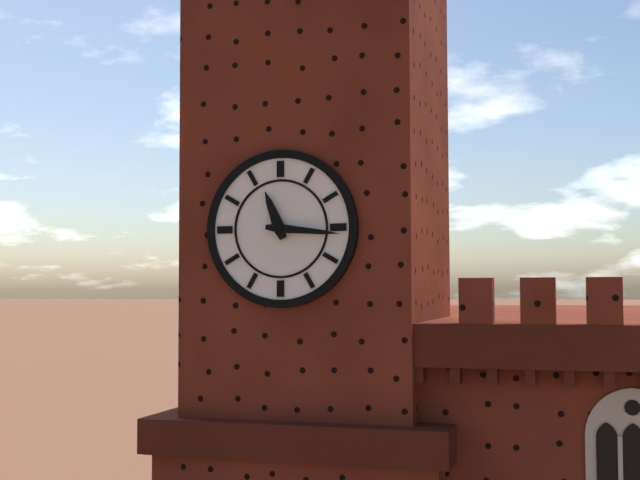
{"hour": 11, "minute": 16}
